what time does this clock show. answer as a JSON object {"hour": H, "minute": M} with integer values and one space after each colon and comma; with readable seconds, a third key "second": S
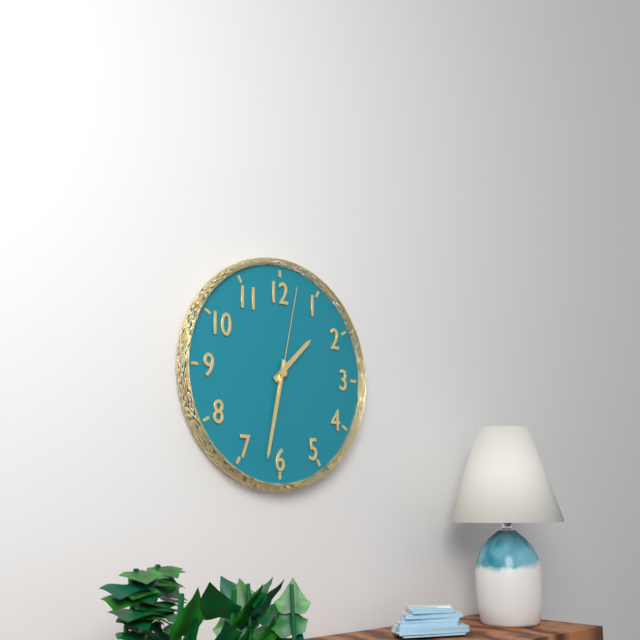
{"hour": 1, "minute": 32, "second": 2}
